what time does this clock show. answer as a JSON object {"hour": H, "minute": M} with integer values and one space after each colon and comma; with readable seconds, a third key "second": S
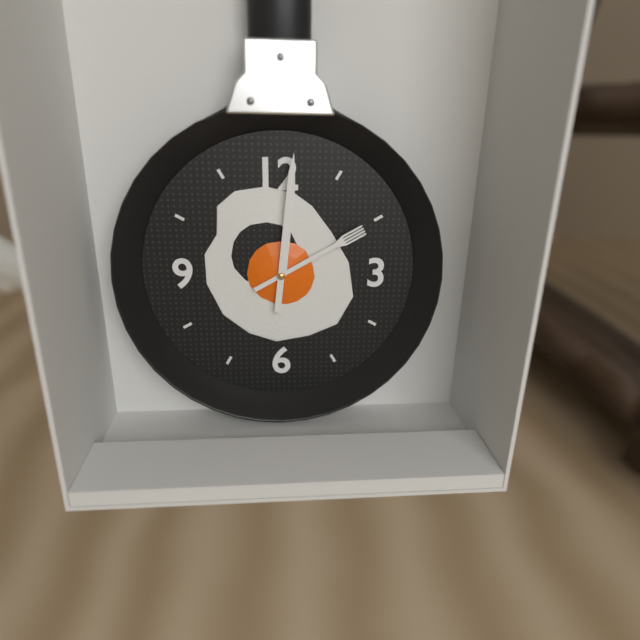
{"hour": 2, "minute": 1}
